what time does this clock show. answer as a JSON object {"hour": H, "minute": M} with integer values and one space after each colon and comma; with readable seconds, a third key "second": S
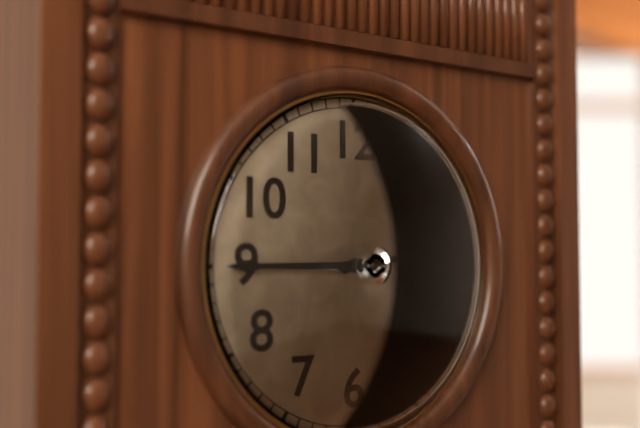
{"hour": 2, "minute": 45}
